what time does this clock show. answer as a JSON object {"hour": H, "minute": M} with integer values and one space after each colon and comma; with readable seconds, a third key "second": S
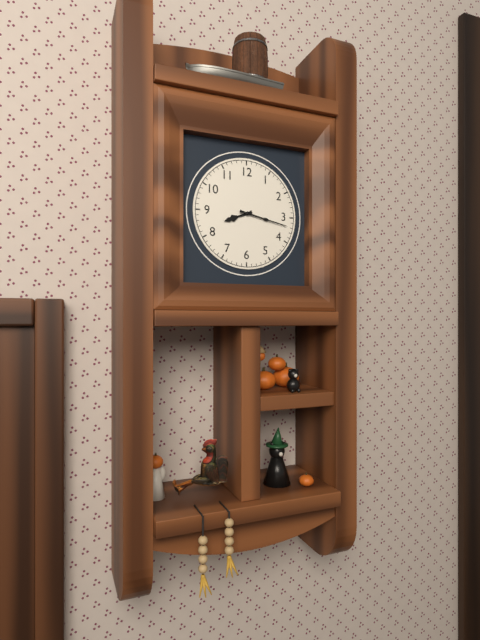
{"hour": 8, "minute": 17}
